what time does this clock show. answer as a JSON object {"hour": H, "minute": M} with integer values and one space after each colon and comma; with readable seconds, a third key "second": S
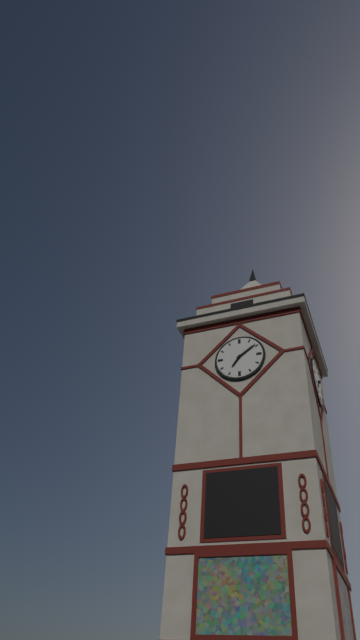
{"hour": 7, "minute": 9}
